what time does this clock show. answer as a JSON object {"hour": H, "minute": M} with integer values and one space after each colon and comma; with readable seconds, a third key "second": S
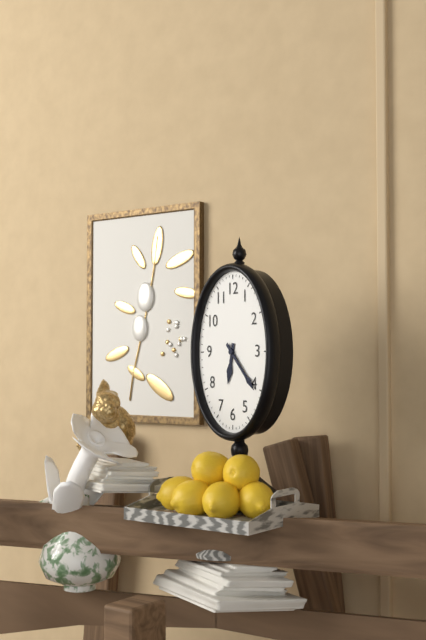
{"hour": 6, "minute": 23}
